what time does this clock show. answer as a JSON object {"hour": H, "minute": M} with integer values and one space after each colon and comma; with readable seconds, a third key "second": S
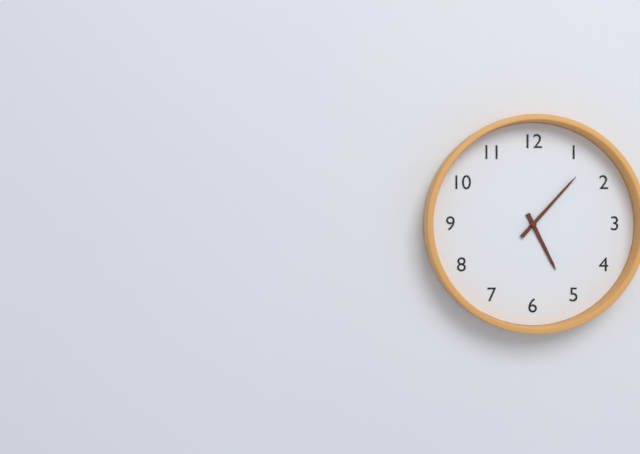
{"hour": 5, "minute": 7}
